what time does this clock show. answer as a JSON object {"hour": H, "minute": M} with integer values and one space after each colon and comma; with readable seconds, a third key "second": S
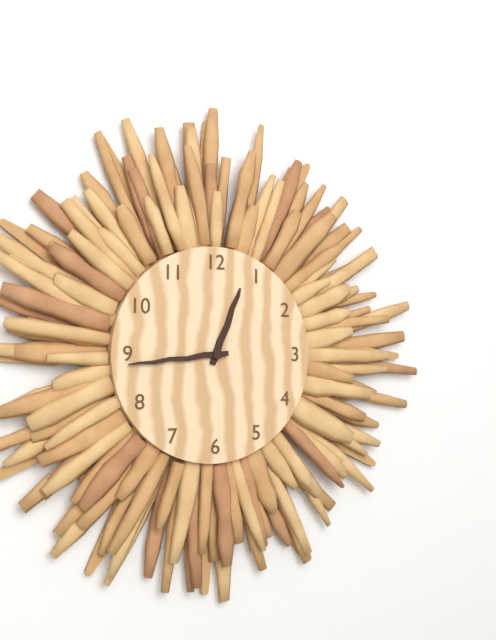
{"hour": 12, "minute": 44}
